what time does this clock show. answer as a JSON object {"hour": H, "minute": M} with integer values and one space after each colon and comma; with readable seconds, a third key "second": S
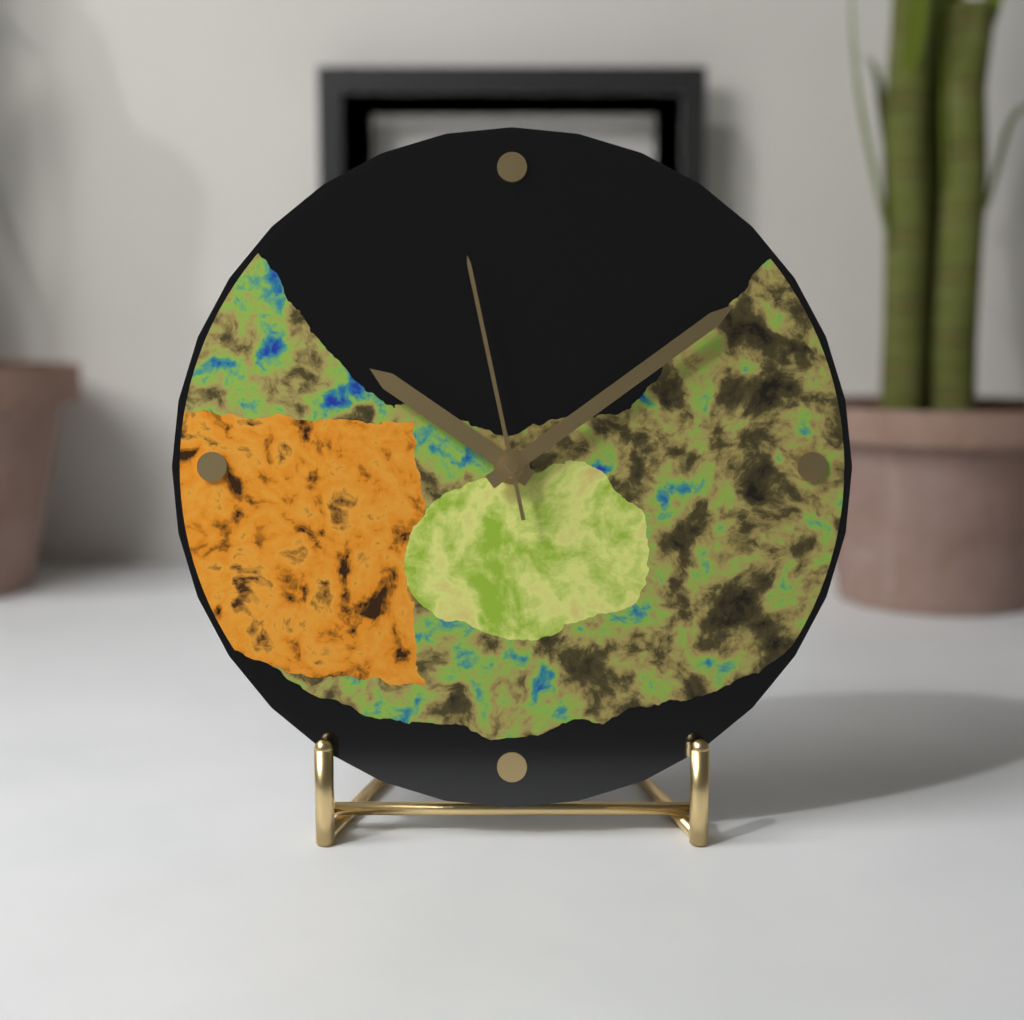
{"hour": 10, "minute": 9, "second": 58}
